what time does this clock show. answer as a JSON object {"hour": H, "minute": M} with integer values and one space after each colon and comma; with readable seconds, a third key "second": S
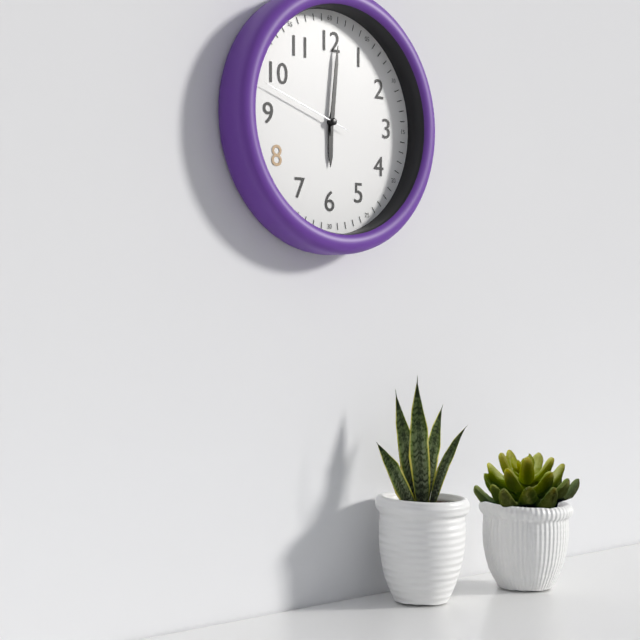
{"hour": 6, "minute": 1, "second": 48}
